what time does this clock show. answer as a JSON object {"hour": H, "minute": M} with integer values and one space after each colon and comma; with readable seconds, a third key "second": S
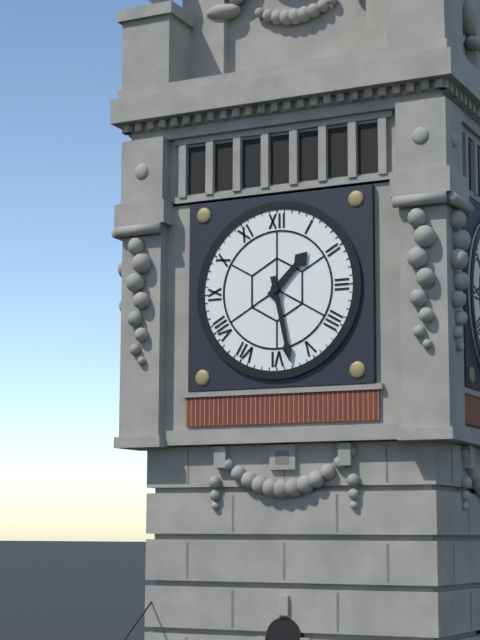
{"hour": 1, "minute": 28}
